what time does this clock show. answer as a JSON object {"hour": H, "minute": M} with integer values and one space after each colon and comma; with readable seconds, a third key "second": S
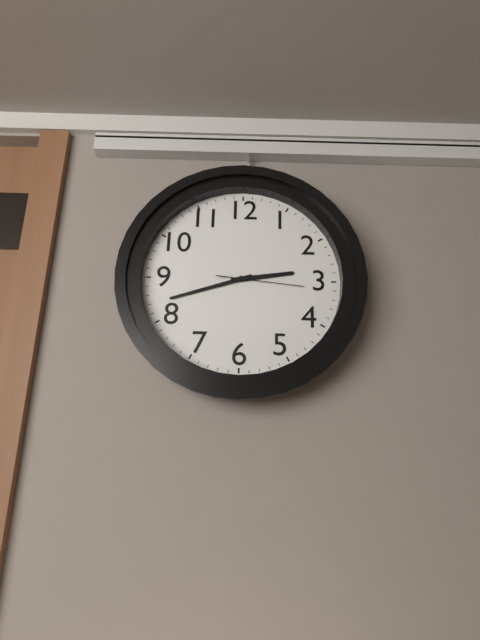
{"hour": 2, "minute": 42, "second": 16}
